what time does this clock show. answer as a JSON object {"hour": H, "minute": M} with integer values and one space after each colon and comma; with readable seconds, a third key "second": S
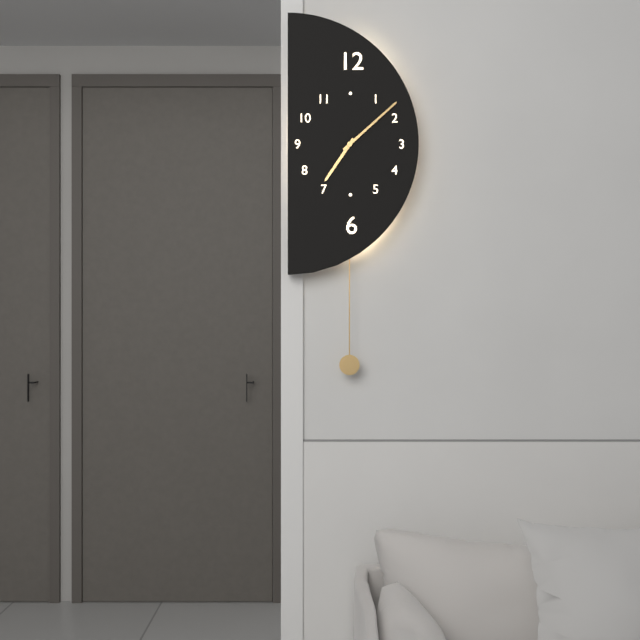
{"hour": 7, "minute": 8}
